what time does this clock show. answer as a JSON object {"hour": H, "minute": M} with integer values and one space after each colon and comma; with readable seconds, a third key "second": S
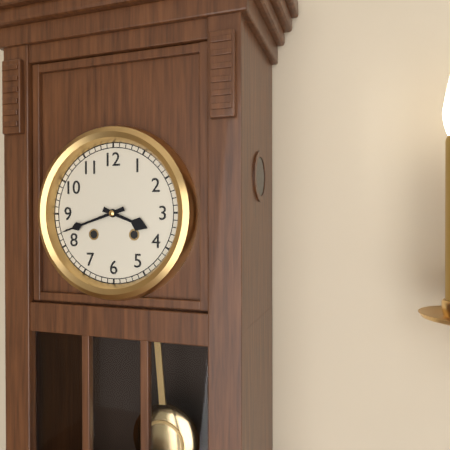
{"hour": 3, "minute": 42}
